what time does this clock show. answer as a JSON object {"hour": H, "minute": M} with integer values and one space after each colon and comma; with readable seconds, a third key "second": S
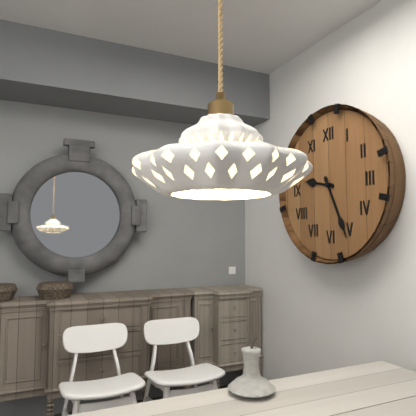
{"hour": 9, "minute": 26}
